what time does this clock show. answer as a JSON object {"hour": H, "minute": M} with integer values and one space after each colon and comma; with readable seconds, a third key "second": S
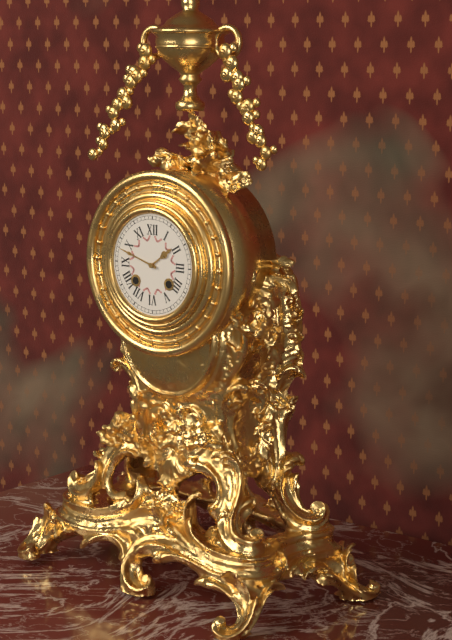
{"hour": 1, "minute": 48}
